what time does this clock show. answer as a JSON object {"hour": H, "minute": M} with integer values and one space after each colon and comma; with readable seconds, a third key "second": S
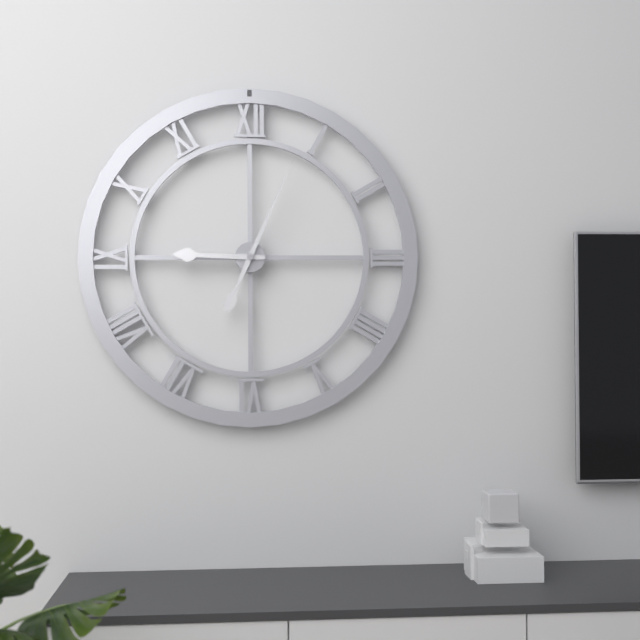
{"hour": 9, "minute": 4}
